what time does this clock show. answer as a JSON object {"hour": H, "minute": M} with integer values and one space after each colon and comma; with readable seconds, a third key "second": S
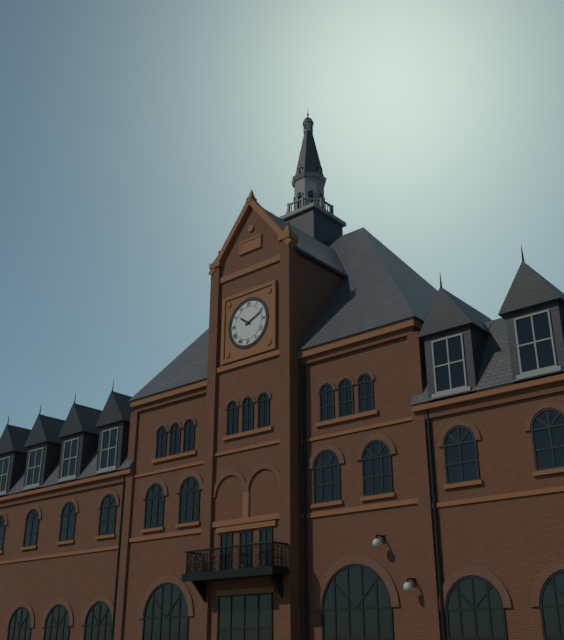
{"hour": 10, "minute": 11}
